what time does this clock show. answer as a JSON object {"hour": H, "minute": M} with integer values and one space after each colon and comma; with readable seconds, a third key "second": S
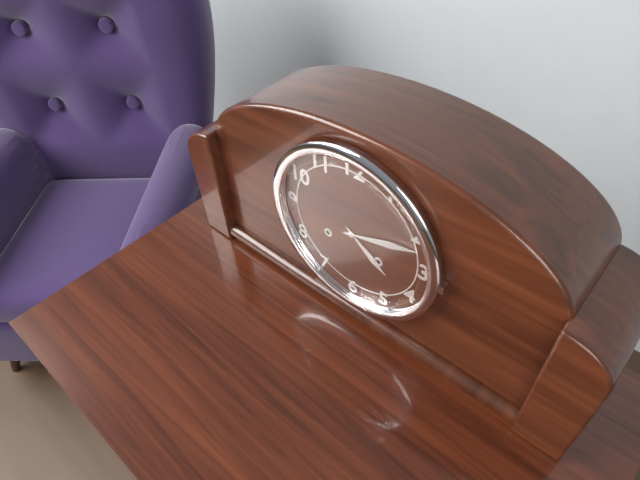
{"hour": 4, "minute": 12}
